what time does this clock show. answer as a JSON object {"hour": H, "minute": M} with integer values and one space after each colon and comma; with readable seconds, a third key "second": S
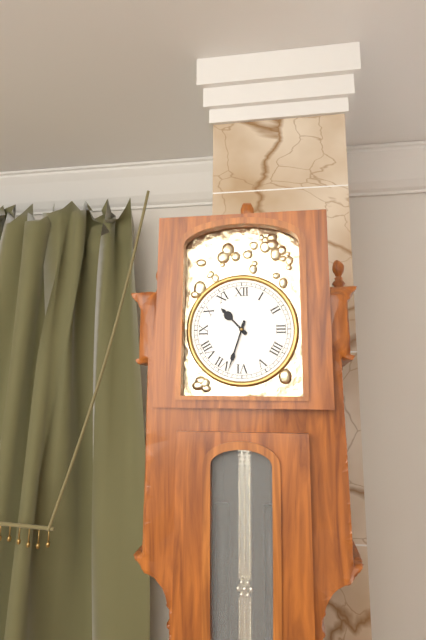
{"hour": 10, "minute": 33}
